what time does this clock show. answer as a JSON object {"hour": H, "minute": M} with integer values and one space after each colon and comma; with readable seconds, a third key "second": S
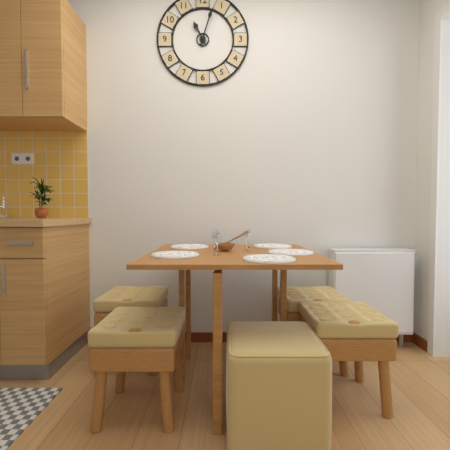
{"hour": 11, "minute": 3}
